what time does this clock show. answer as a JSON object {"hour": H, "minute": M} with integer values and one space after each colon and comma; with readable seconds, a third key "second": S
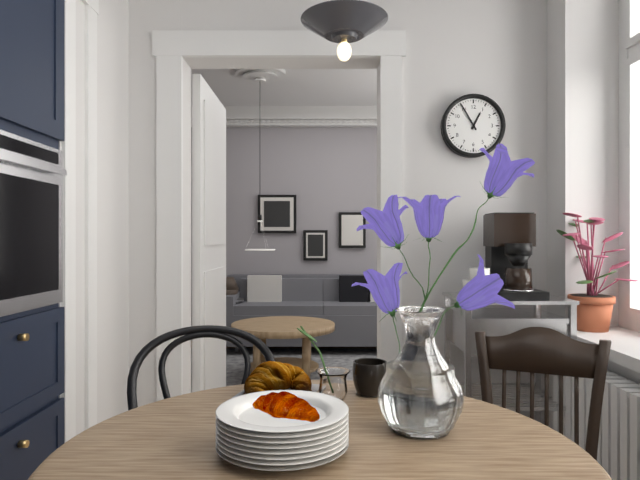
{"hour": 12, "minute": 55}
